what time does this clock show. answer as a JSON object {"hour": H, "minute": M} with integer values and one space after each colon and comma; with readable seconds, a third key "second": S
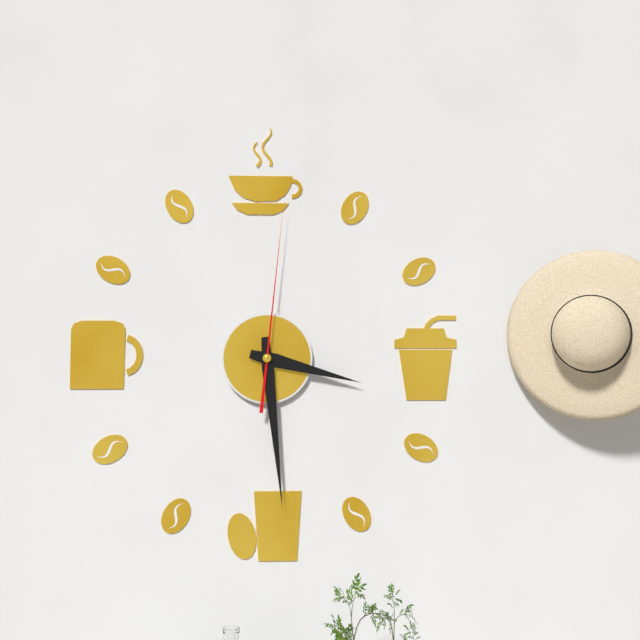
{"hour": 3, "minute": 29, "second": 1}
